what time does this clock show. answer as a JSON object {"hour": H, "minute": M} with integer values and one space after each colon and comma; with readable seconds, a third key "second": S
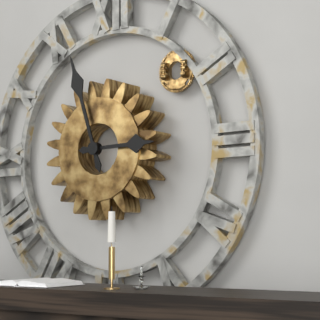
{"hour": 2, "minute": 57}
